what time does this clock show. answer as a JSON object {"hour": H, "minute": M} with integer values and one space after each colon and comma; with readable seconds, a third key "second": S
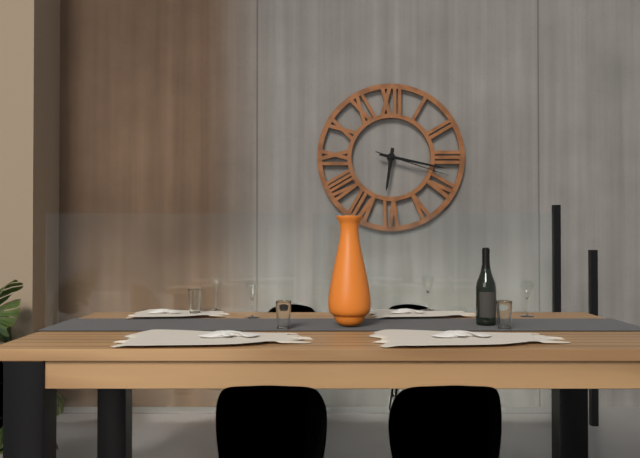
{"hour": 6, "minute": 17, "second": 18}
